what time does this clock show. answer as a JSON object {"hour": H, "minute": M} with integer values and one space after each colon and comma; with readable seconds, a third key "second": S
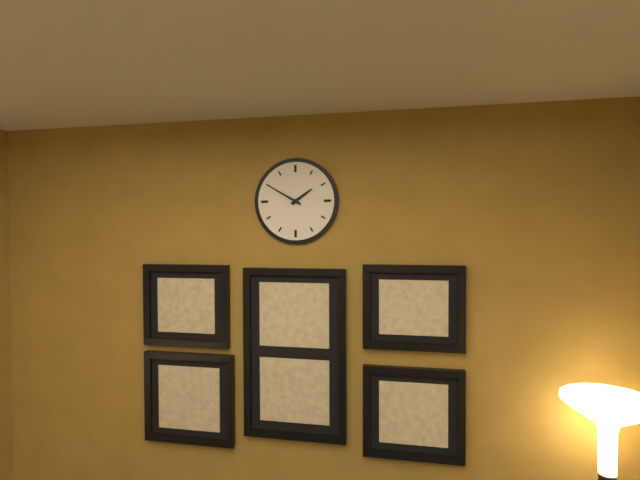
{"hour": 1, "minute": 50}
